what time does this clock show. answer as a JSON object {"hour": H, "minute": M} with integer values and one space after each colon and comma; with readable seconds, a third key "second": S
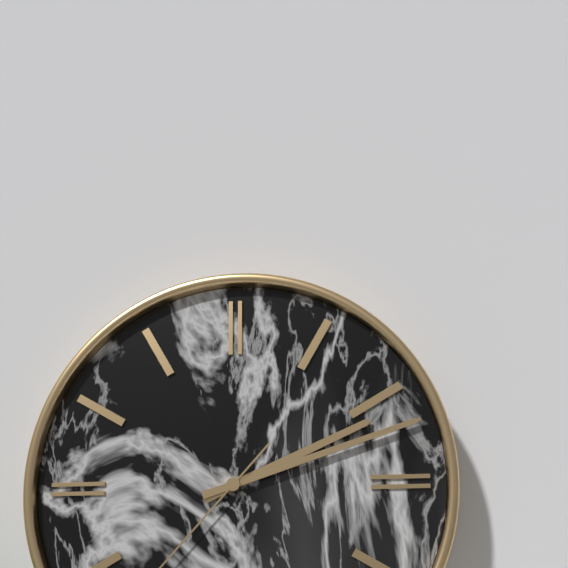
{"hour": 2, "minute": 12}
